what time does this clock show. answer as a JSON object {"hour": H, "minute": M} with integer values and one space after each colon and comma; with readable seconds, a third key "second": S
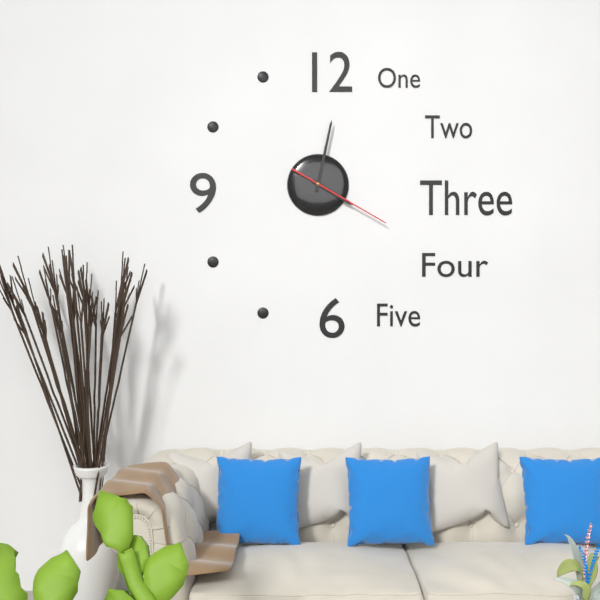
{"hour": 4, "minute": 2, "second": 20}
